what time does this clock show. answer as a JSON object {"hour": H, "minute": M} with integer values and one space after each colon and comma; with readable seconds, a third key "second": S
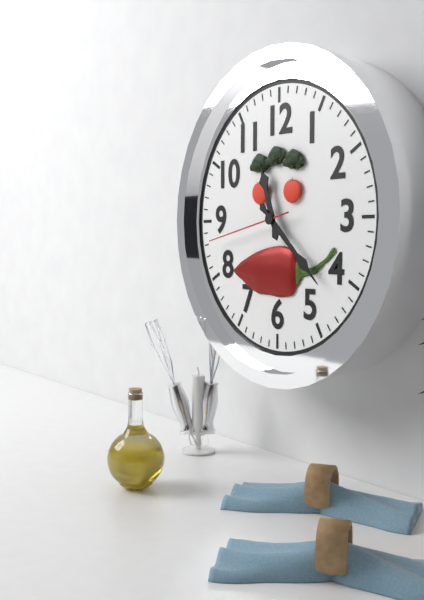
{"hour": 11, "minute": 22, "second": 43}
